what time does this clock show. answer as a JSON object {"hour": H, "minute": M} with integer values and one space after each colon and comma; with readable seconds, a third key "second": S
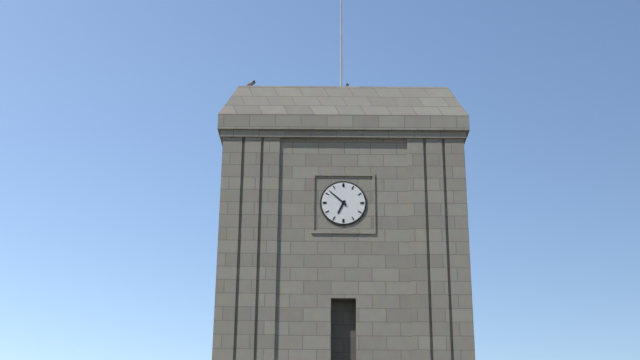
{"hour": 6, "minute": 52}
